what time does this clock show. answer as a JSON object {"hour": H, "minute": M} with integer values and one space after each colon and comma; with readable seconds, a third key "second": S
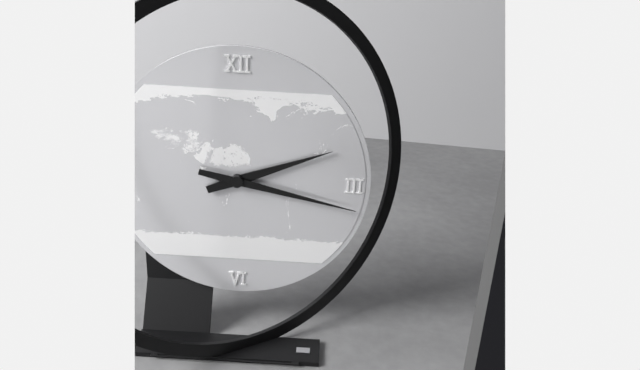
{"hour": 2, "minute": 17}
